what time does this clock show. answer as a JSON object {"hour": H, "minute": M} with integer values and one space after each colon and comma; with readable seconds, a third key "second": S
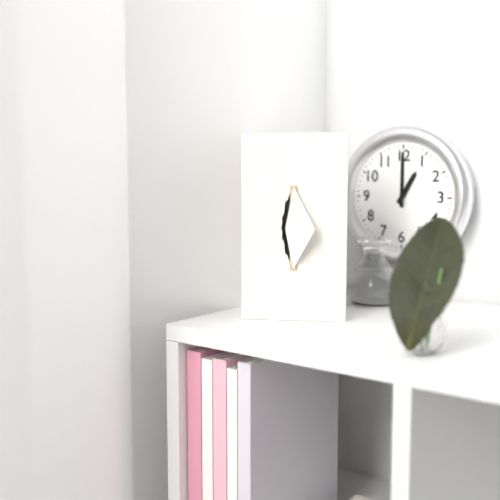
{"hour": 1, "minute": 0}
